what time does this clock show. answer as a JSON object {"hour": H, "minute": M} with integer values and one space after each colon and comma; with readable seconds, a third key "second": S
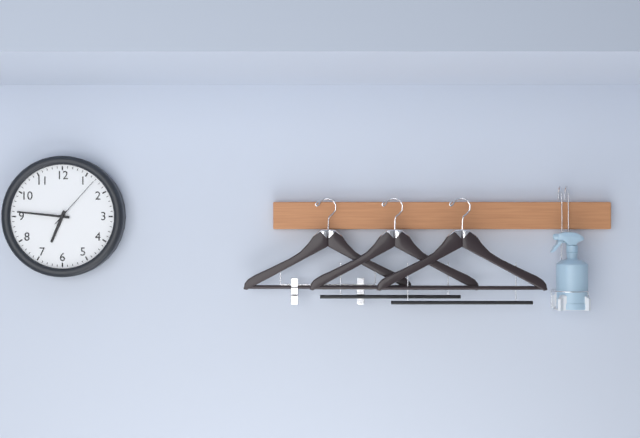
{"hour": 6, "minute": 46, "second": 7}
